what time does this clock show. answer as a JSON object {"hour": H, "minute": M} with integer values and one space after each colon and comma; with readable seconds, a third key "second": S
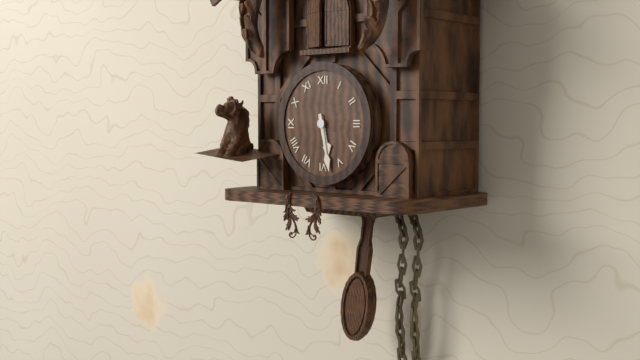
{"hour": 5, "minute": 28}
